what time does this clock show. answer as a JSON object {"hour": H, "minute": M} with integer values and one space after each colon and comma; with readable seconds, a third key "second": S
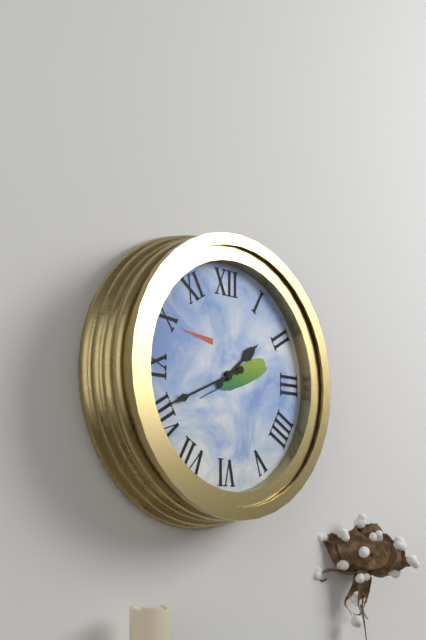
{"hour": 1, "minute": 41}
